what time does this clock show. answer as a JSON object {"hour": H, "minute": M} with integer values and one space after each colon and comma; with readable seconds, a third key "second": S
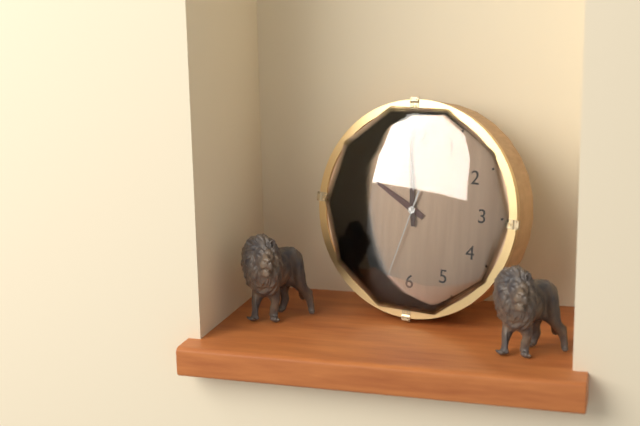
{"hour": 9, "minute": 59, "second": 33}
